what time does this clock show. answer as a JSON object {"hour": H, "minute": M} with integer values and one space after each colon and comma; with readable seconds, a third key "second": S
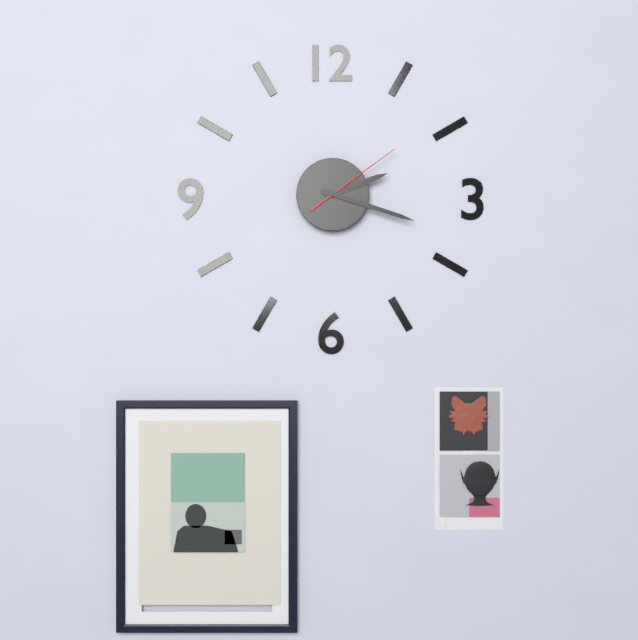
{"hour": 2, "minute": 18, "second": 9}
